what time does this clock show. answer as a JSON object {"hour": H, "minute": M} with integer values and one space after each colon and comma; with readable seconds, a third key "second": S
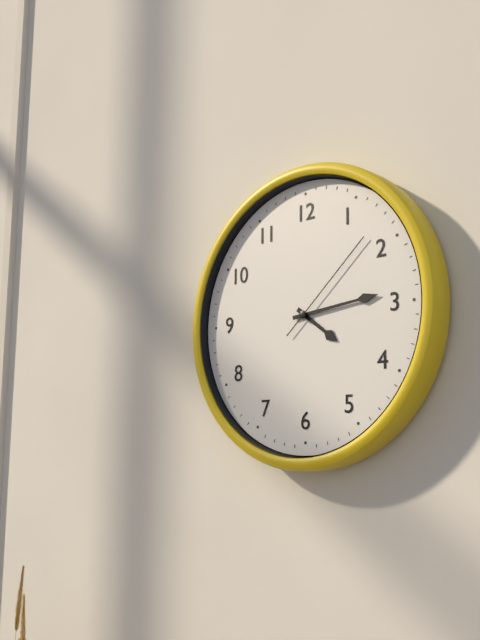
{"hour": 4, "minute": 14, "second": 8}
